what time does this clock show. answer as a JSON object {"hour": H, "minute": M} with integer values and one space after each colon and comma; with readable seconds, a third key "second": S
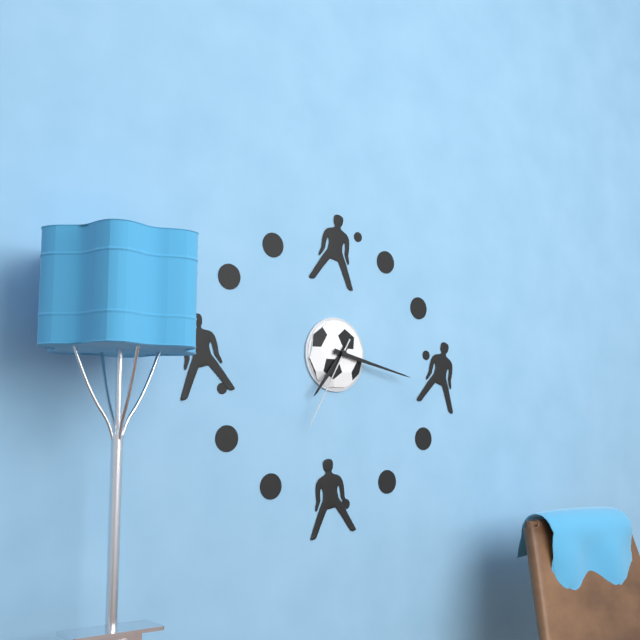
{"hour": 7, "minute": 17, "second": 35}
